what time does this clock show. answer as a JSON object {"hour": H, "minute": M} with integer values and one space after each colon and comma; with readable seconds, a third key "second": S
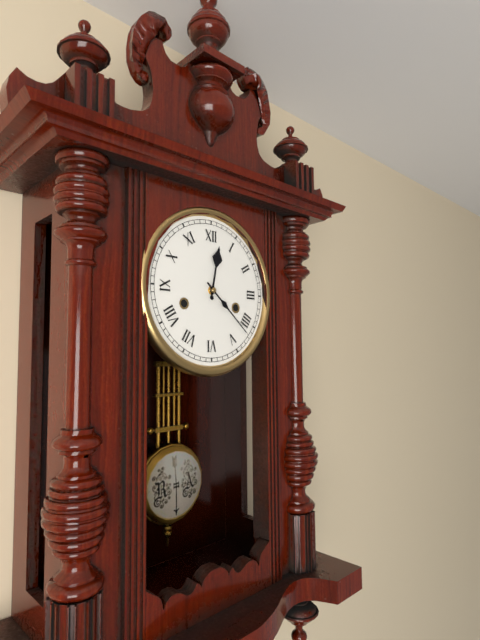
{"hour": 12, "minute": 22}
